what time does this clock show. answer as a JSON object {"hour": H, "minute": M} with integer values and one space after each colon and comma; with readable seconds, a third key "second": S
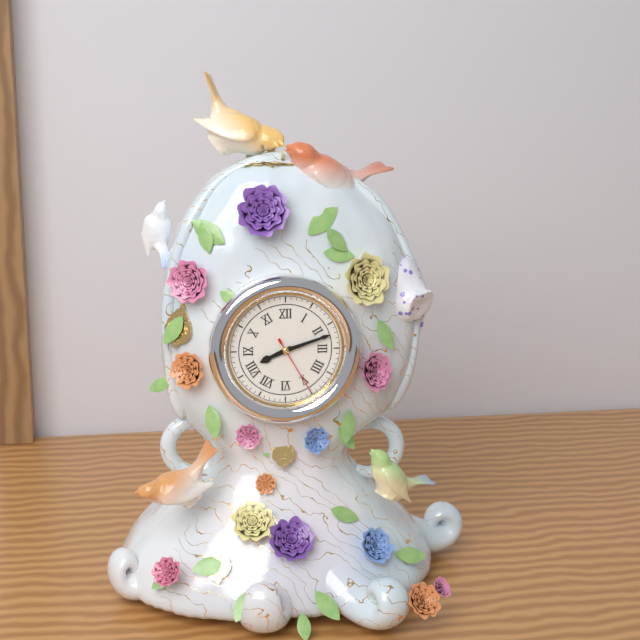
{"hour": 8, "minute": 12, "second": 25}
